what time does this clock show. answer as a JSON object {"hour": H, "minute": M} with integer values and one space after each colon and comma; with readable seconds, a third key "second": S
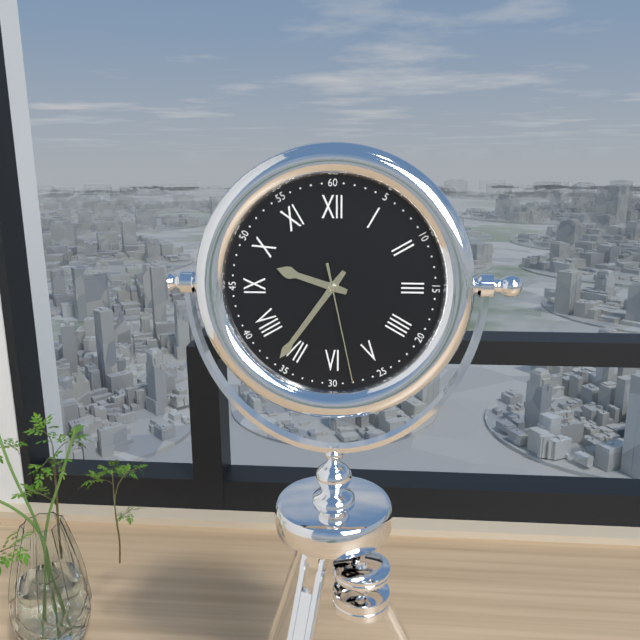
{"hour": 9, "minute": 36, "second": 28}
